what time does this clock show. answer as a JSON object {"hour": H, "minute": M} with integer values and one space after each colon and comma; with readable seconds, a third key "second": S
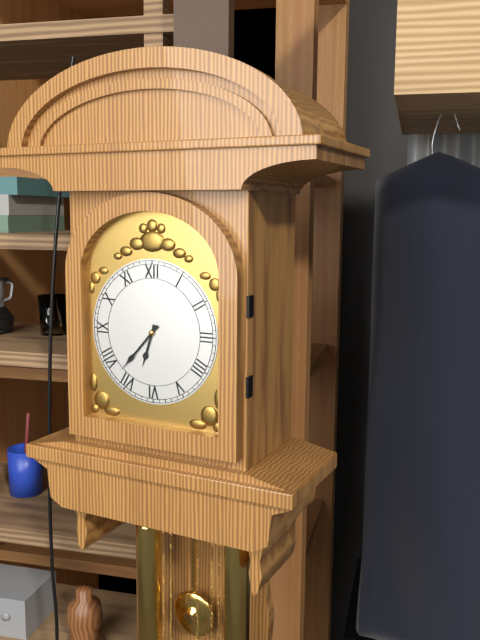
{"hour": 6, "minute": 37}
